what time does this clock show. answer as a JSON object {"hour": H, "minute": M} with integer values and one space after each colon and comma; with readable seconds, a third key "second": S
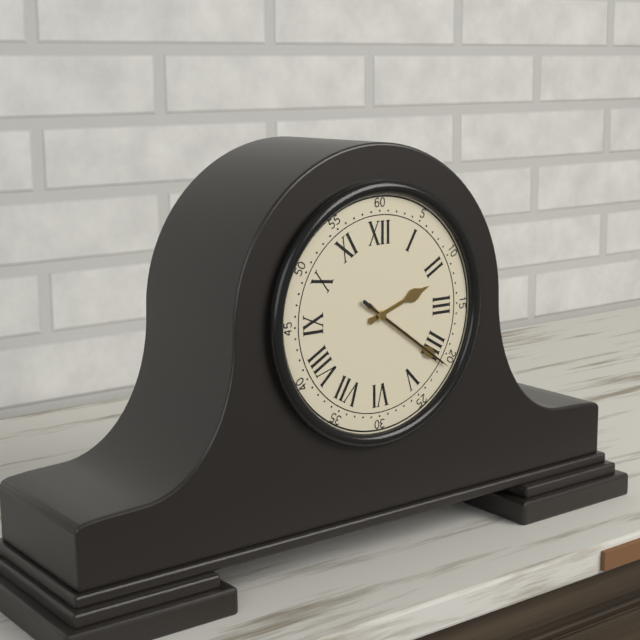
{"hour": 2, "minute": 21, "second": 21}
